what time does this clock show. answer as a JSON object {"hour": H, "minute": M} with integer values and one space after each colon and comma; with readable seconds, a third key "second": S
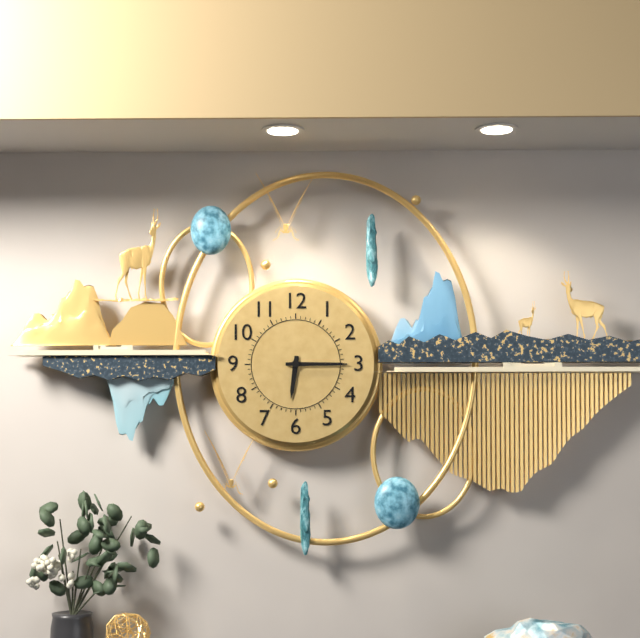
{"hour": 6, "minute": 15}
